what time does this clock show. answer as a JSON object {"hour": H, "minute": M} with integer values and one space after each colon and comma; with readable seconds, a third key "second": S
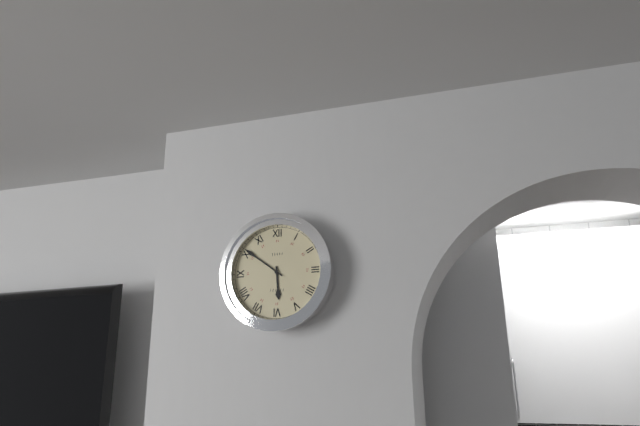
{"hour": 5, "minute": 51}
